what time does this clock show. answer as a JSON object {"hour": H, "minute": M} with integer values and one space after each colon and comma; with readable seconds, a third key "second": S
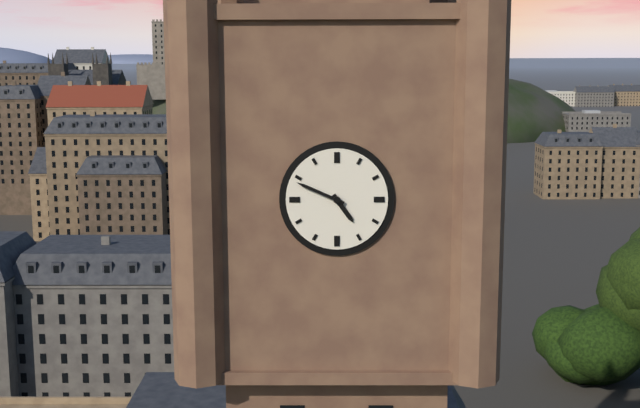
{"hour": 4, "minute": 49}
